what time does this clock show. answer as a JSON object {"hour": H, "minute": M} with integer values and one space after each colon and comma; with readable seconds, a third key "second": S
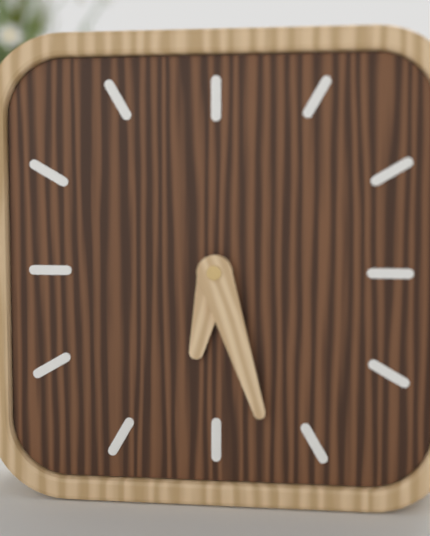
{"hour": 6, "minute": 27}
